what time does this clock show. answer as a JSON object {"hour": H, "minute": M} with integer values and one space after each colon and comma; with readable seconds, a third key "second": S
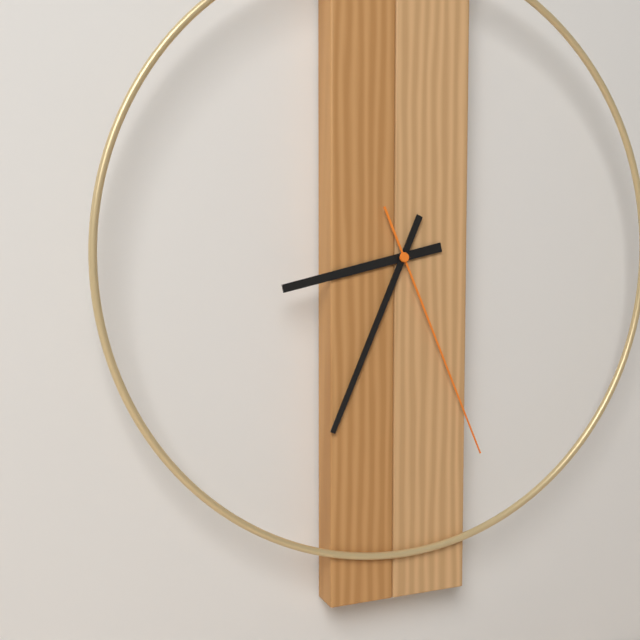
{"hour": 8, "minute": 34, "second": 26}
